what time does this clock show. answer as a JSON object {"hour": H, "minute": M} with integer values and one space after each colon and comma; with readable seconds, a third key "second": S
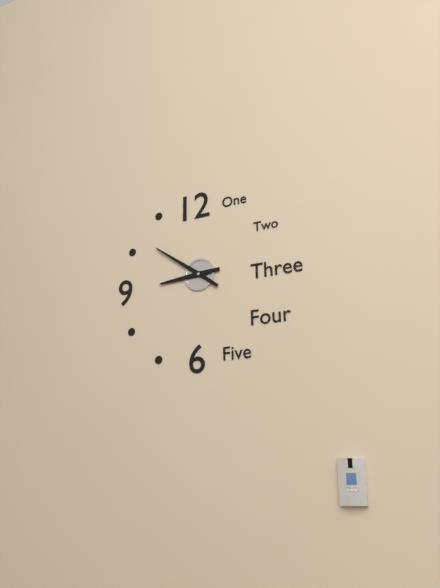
{"hour": 8, "minute": 51}
